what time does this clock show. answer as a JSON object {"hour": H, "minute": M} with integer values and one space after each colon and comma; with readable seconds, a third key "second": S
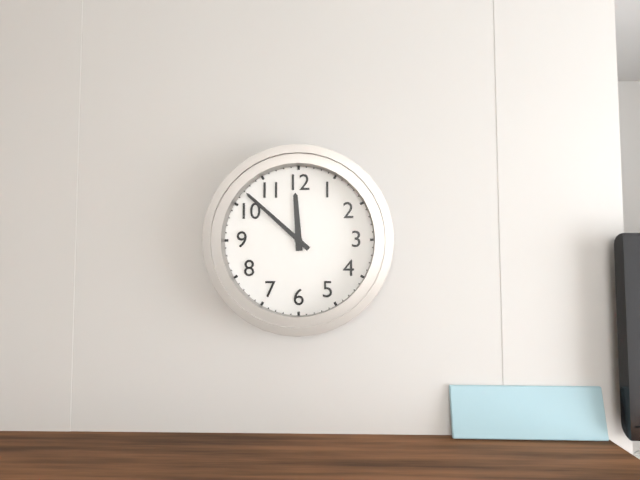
{"hour": 11, "minute": 52}
